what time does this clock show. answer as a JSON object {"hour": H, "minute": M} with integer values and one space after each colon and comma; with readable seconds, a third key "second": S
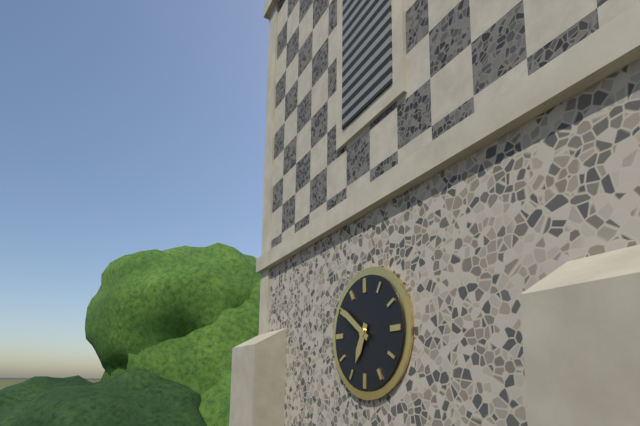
{"hour": 6, "minute": 51}
